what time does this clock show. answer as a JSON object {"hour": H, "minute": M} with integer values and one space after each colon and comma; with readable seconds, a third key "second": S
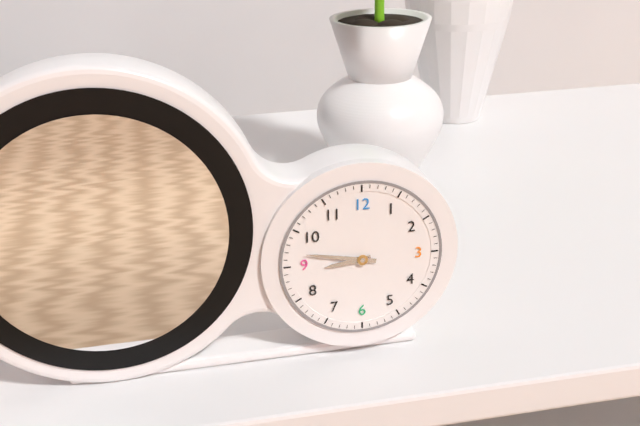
{"hour": 8, "minute": 47}
